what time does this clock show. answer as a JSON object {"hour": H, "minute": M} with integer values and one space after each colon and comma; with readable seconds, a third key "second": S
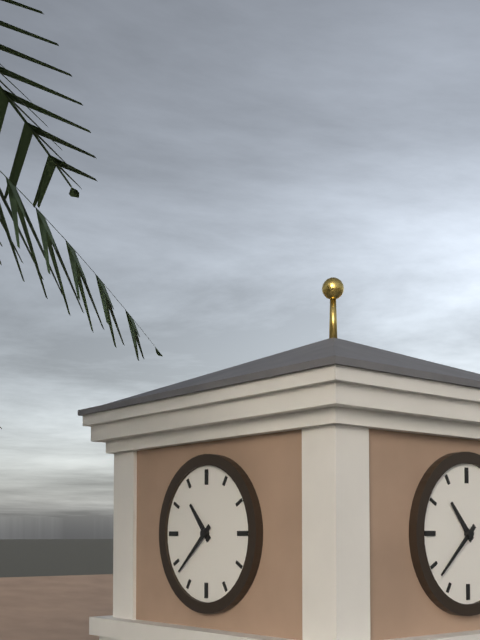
{"hour": 10, "minute": 38}
